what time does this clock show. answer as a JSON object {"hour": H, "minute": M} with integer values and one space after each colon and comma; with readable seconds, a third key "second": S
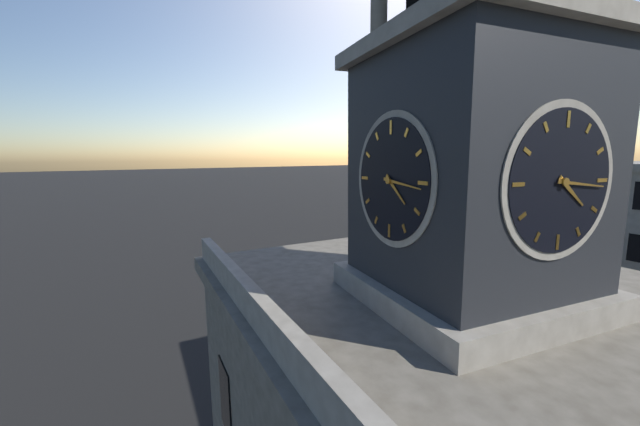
{"hour": 4, "minute": 16}
